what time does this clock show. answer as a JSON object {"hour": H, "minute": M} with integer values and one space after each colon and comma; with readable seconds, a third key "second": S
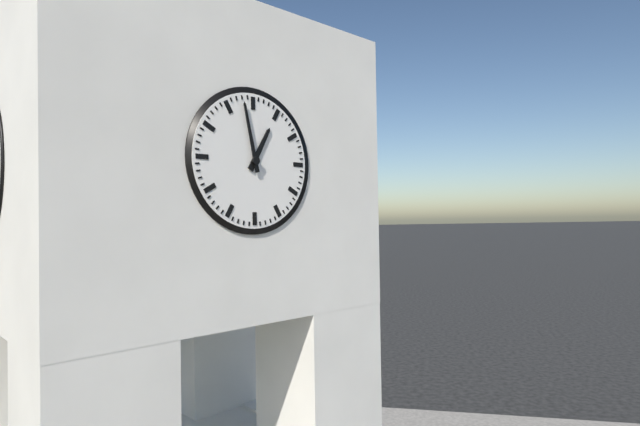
{"hour": 12, "minute": 58}
